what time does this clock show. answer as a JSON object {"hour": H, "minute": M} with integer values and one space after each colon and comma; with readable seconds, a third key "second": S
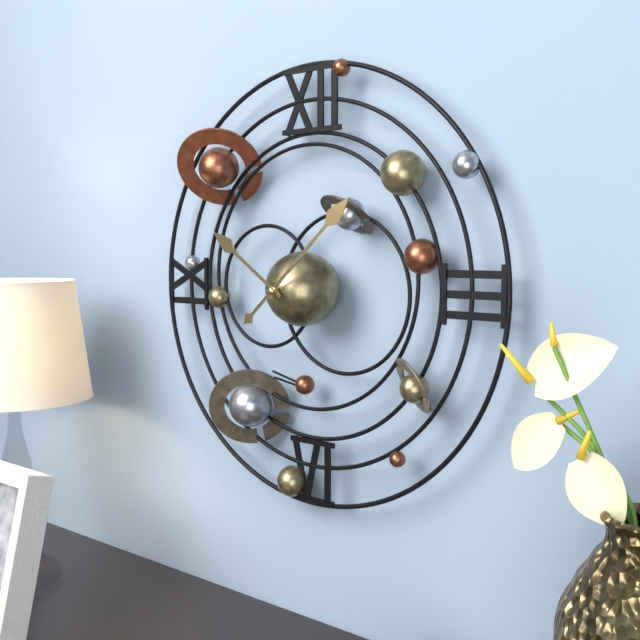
{"hour": 10, "minute": 8}
